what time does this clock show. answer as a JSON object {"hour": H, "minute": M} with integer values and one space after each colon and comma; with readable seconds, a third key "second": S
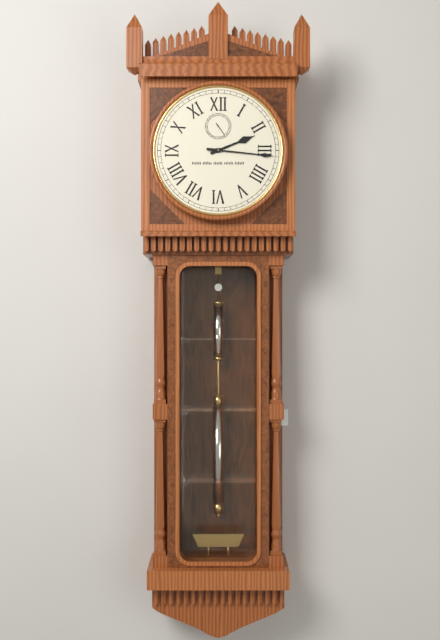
{"hour": 2, "minute": 16}
